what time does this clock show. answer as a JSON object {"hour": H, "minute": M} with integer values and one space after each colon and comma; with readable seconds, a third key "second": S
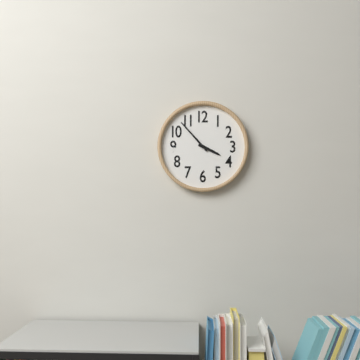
{"hour": 3, "minute": 53}
